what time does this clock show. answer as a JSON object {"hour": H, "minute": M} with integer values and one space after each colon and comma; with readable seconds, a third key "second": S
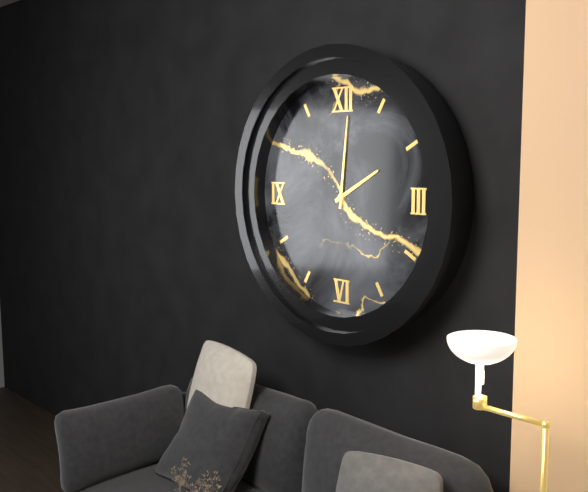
{"hour": 2, "minute": 1}
